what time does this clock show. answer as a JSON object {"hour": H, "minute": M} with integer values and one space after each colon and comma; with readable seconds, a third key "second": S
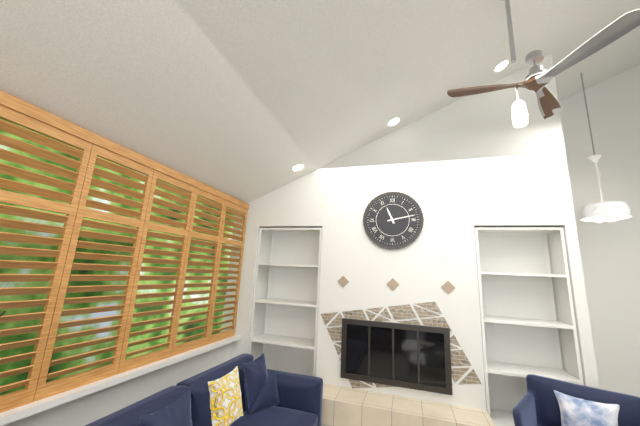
{"hour": 11, "minute": 13}
